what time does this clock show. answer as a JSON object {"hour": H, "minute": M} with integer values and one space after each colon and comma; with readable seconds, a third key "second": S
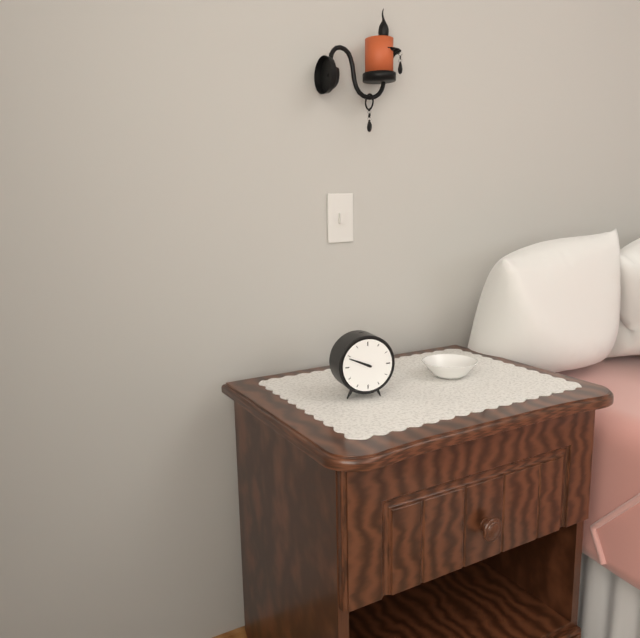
{"hour": 9, "minute": 49}
